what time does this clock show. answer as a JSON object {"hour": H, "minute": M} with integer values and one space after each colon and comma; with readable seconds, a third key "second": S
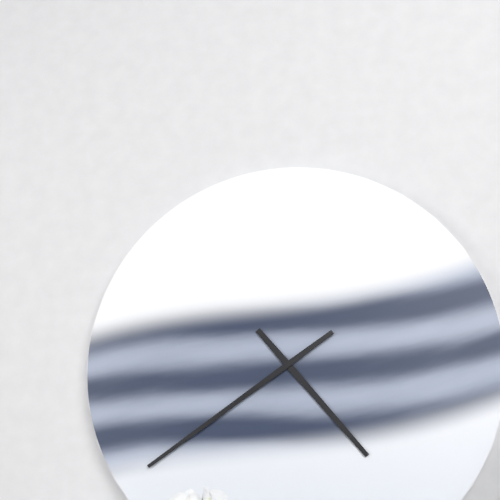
{"hour": 4, "minute": 39}
